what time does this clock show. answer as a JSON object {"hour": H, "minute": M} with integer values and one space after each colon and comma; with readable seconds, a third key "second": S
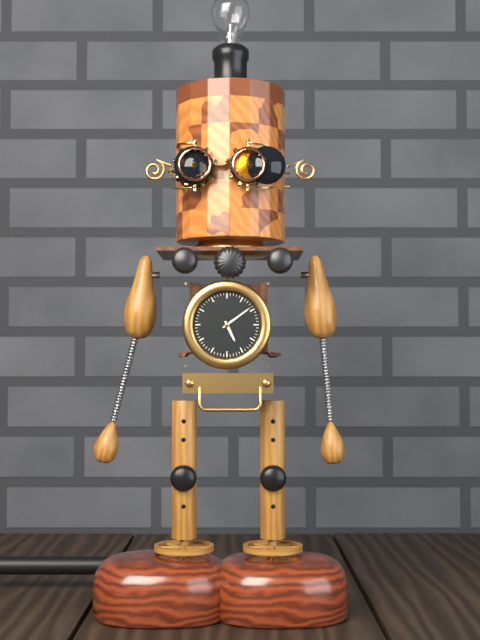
{"hour": 5, "minute": 9}
